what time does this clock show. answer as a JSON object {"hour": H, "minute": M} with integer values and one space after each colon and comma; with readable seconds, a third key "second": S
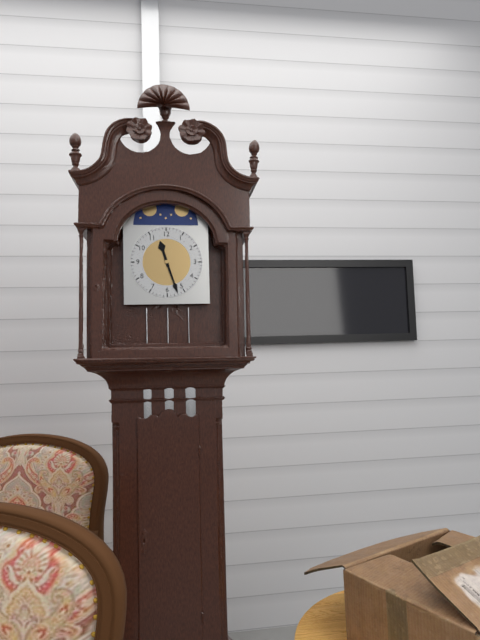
{"hour": 11, "minute": 27}
